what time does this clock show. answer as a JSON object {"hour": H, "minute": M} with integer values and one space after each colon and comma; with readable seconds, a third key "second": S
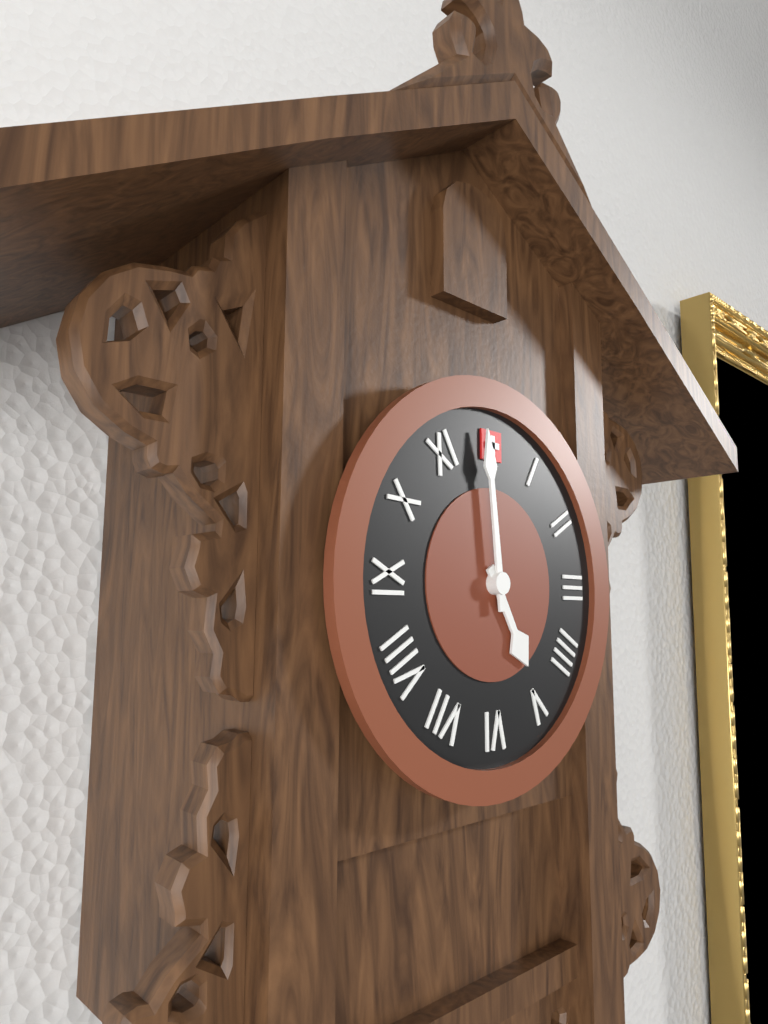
{"hour": 4, "minute": 59}
